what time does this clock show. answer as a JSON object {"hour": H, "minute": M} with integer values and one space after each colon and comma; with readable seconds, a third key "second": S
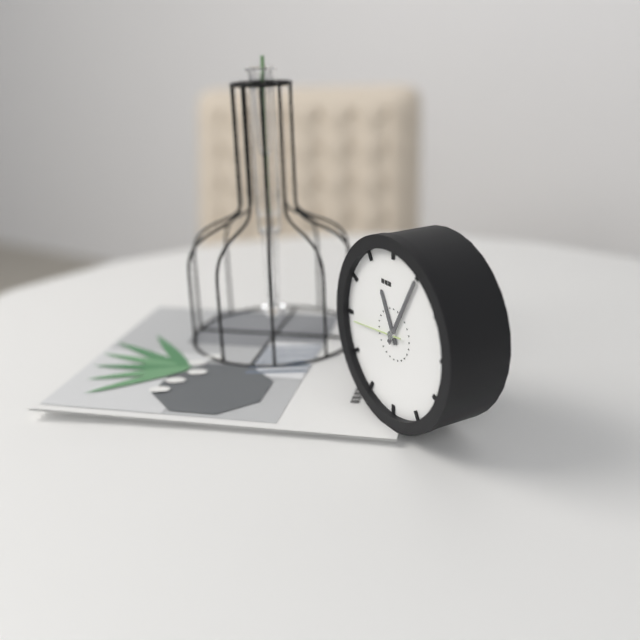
{"hour": 11, "minute": 5}
